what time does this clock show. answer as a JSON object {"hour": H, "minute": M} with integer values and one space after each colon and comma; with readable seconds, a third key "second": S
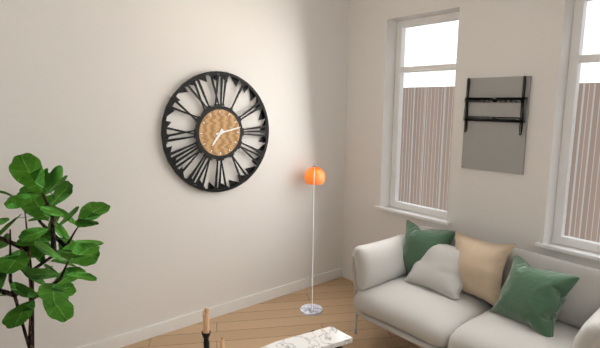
{"hour": 7, "minute": 13}
